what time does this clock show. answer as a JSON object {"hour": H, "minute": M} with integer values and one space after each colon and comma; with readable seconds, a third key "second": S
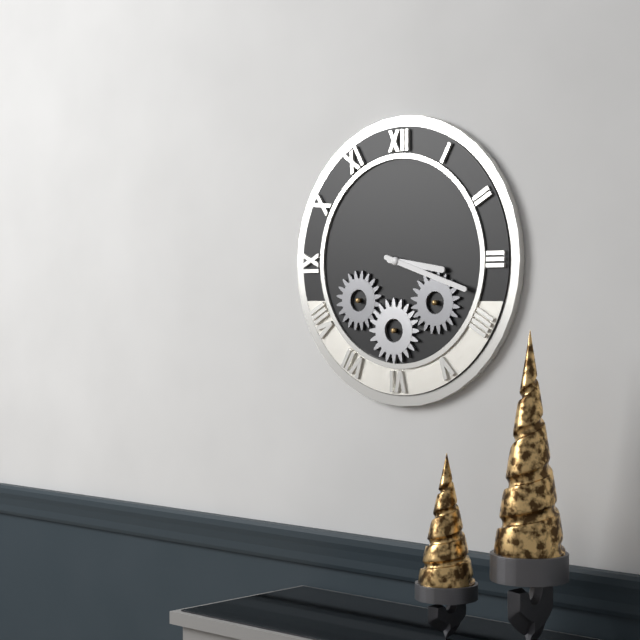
{"hour": 3, "minute": 18}
